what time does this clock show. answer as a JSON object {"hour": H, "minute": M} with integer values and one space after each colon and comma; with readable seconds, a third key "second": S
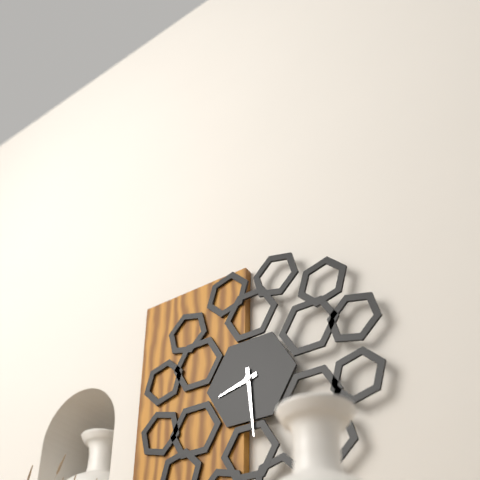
{"hour": 8, "minute": 29}
